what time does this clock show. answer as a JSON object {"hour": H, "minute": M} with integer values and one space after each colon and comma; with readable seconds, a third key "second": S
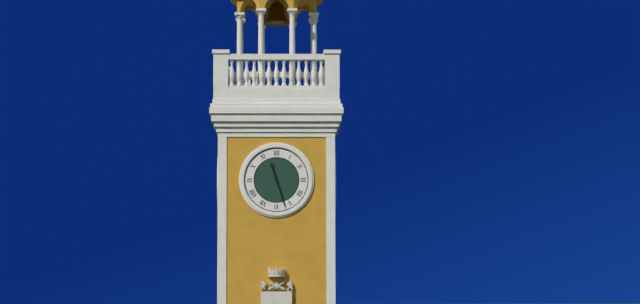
{"hour": 11, "minute": 27}
